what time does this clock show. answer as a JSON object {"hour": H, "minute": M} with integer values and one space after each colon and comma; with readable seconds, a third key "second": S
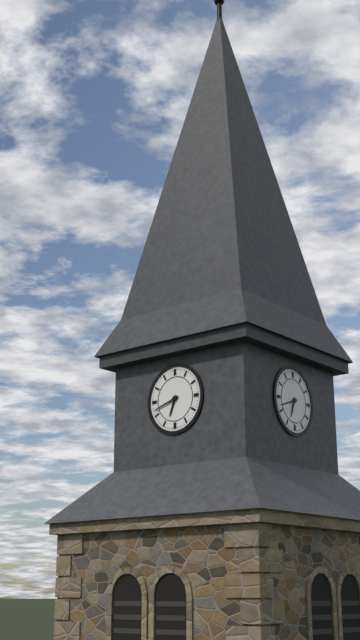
{"hour": 6, "minute": 42}
